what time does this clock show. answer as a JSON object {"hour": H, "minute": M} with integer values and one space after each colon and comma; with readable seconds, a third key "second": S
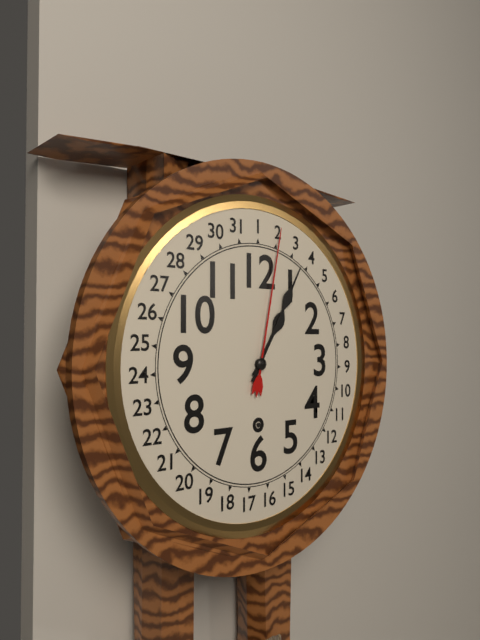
{"hour": 1, "minute": 5}
